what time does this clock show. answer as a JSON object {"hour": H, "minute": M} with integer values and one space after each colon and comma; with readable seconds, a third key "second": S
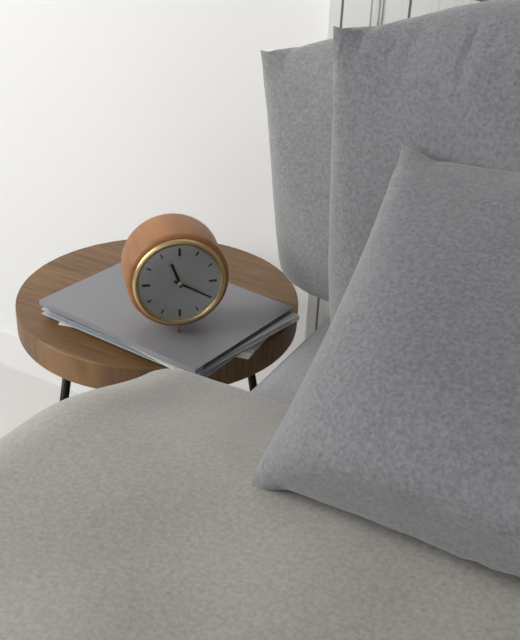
{"hour": 11, "minute": 20}
